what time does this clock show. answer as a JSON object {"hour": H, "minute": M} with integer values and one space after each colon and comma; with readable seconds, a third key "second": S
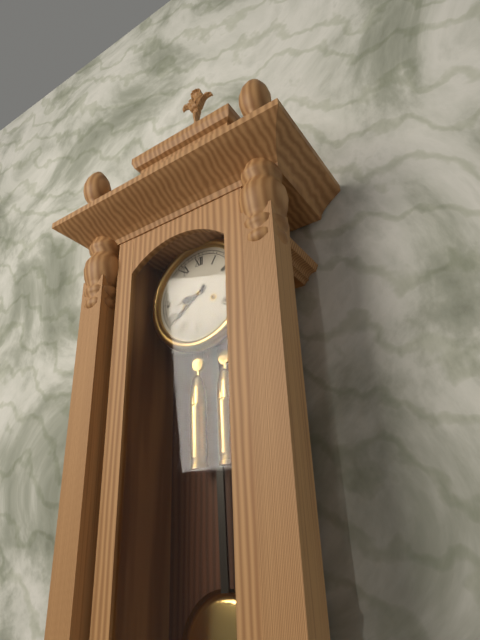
{"hour": 8, "minute": 39}
